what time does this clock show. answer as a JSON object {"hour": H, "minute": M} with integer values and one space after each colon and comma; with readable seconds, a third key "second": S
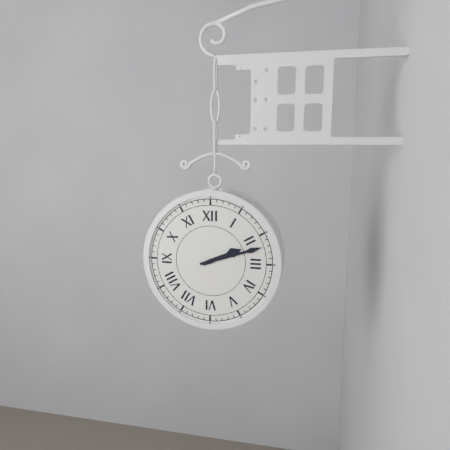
{"hour": 2, "minute": 12}
